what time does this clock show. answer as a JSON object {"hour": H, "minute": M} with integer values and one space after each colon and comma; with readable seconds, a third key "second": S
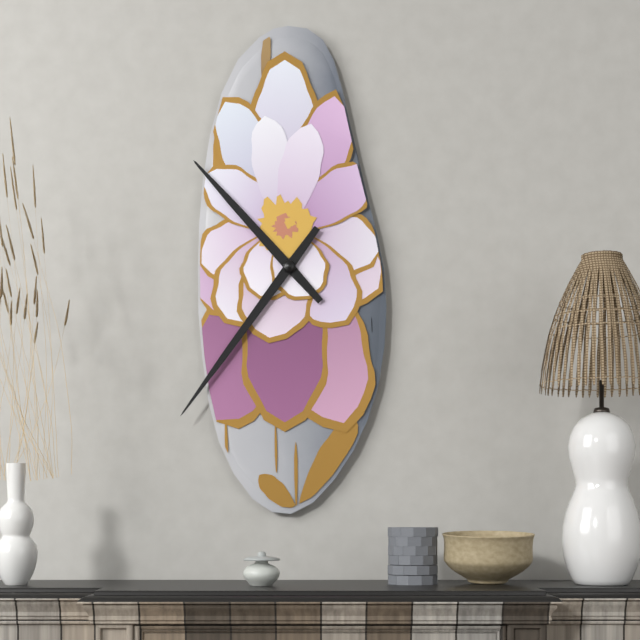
{"hour": 10, "minute": 36}
